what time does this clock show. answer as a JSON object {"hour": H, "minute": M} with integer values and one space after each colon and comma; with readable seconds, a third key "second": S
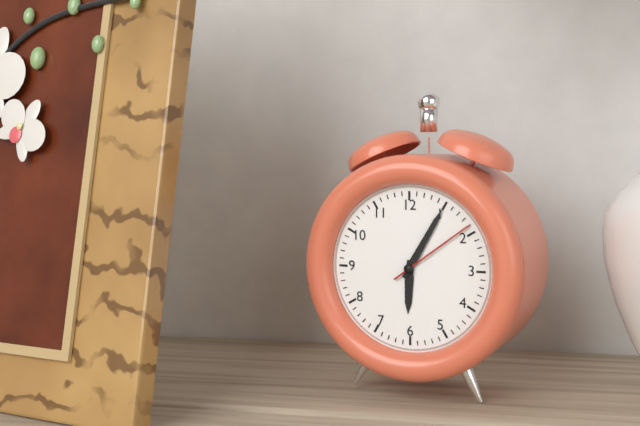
{"hour": 6, "minute": 5, "second": 9}
